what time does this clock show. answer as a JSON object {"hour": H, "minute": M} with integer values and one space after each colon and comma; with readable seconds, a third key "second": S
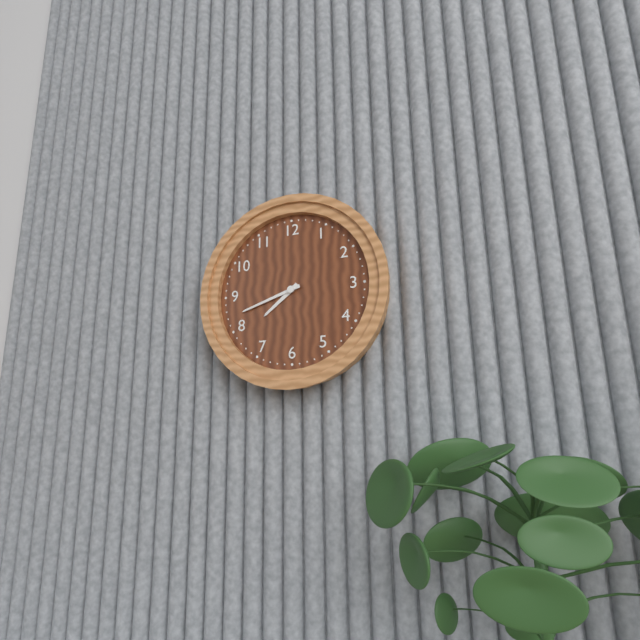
{"hour": 7, "minute": 42}
